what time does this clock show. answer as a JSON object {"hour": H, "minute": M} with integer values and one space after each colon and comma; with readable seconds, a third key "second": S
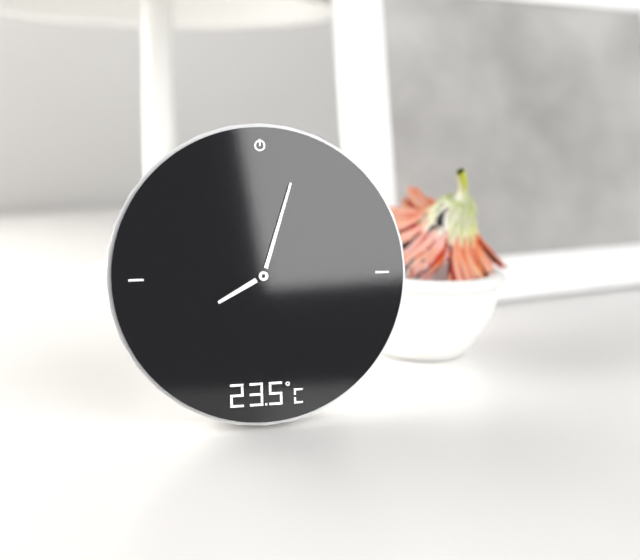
{"hour": 8, "minute": 3}
